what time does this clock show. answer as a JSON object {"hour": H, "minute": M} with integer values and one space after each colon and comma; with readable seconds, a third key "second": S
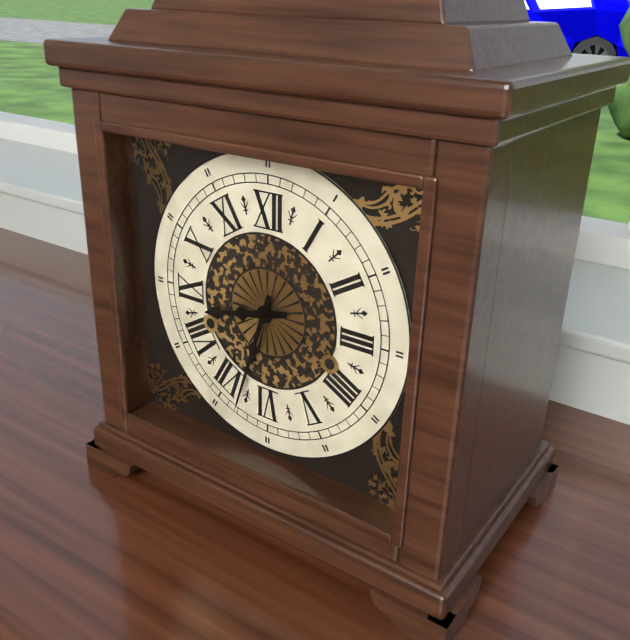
{"hour": 8, "minute": 33}
